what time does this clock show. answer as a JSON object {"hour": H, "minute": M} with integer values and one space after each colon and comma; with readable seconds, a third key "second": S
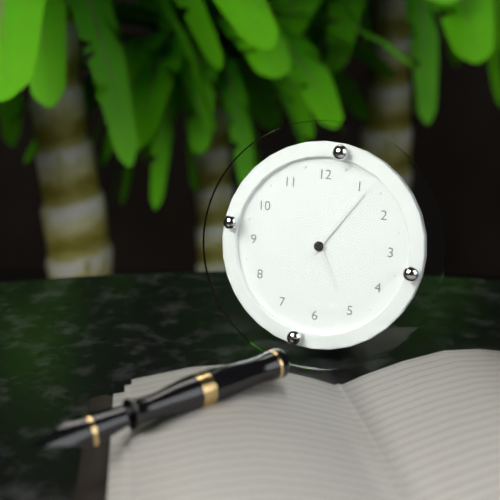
{"hour": 5, "minute": 6}
